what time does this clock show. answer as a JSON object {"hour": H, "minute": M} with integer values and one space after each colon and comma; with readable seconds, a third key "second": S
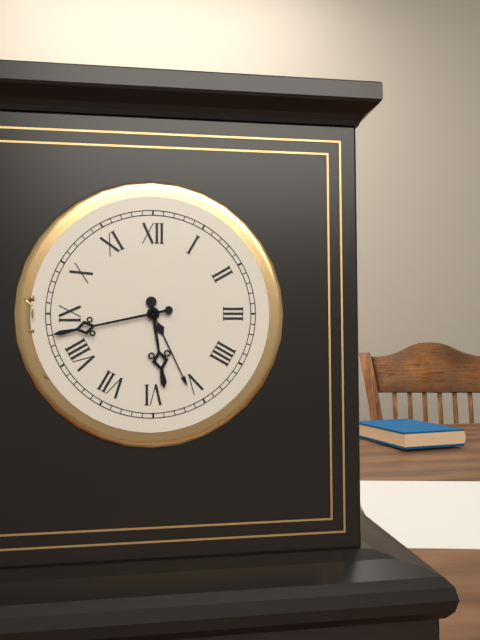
{"hour": 5, "minute": 43}
